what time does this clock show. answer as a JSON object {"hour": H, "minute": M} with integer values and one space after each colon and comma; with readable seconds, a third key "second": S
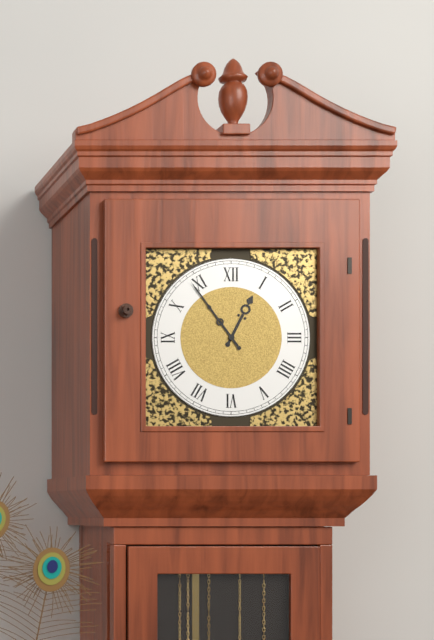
{"hour": 12, "minute": 54}
